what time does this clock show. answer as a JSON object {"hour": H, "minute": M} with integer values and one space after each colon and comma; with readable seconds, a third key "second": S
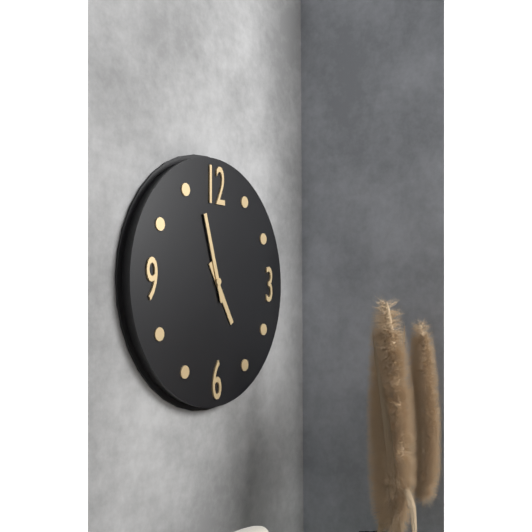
{"hour": 4, "minute": 57}
